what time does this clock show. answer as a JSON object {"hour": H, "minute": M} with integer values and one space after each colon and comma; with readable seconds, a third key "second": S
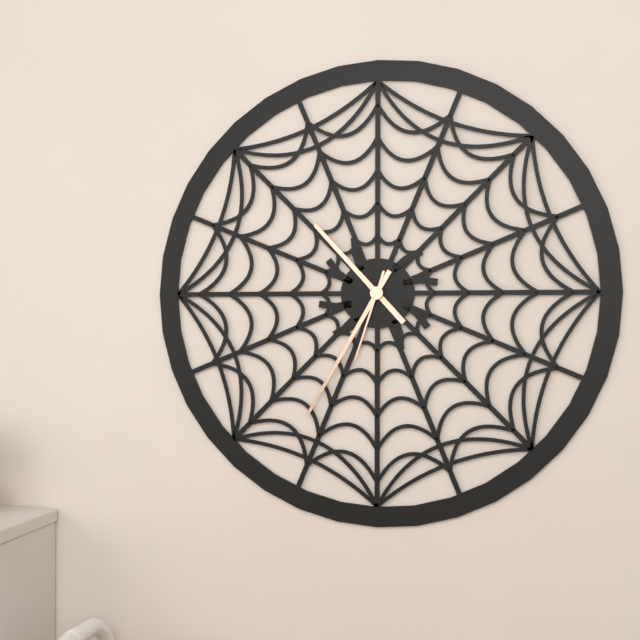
{"hour": 10, "minute": 35, "second": 33}
